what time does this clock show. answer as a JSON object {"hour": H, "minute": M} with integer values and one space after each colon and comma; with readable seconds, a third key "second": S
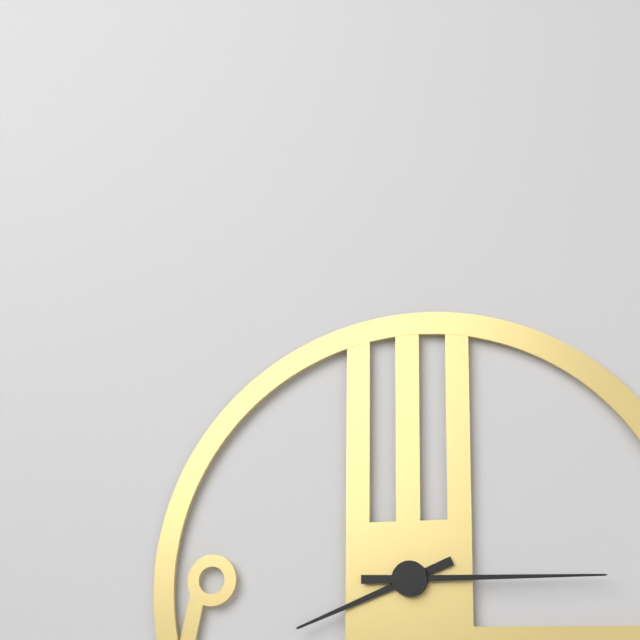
{"hour": 8, "minute": 15}
